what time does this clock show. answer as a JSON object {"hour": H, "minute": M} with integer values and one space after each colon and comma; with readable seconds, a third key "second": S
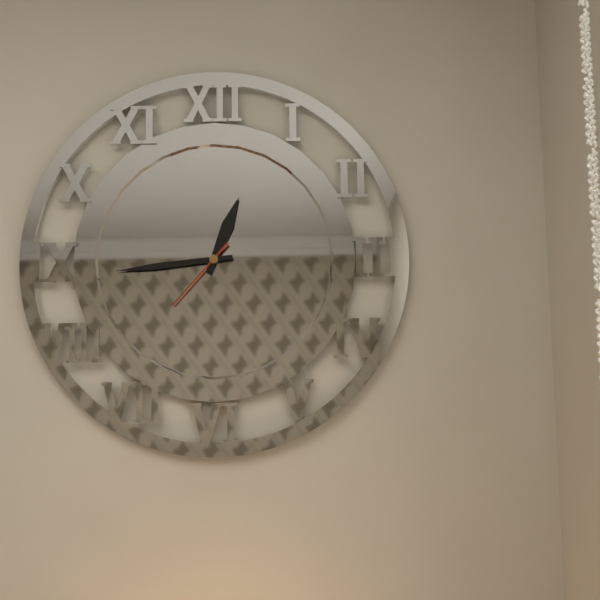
{"hour": 12, "minute": 44, "second": 37}
